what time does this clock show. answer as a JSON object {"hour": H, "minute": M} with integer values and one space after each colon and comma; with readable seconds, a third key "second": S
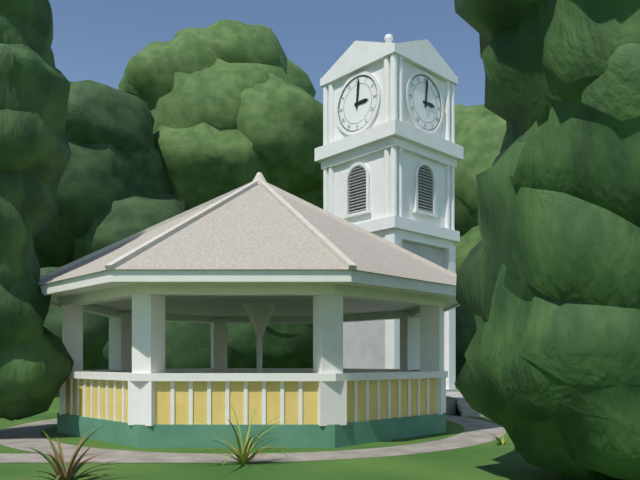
{"hour": 3, "minute": 1}
